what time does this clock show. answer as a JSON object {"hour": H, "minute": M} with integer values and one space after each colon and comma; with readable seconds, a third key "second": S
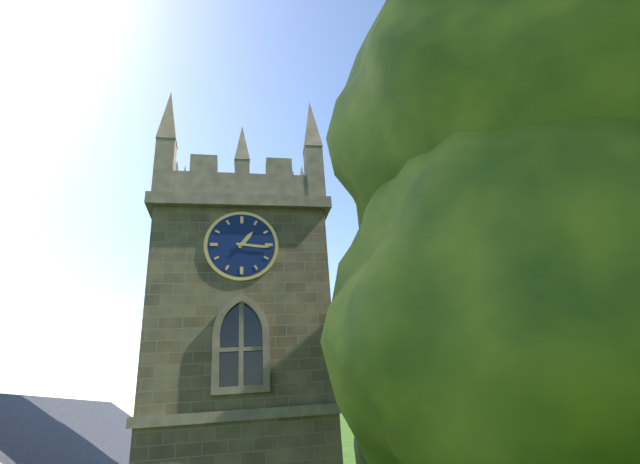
{"hour": 1, "minute": 16}
